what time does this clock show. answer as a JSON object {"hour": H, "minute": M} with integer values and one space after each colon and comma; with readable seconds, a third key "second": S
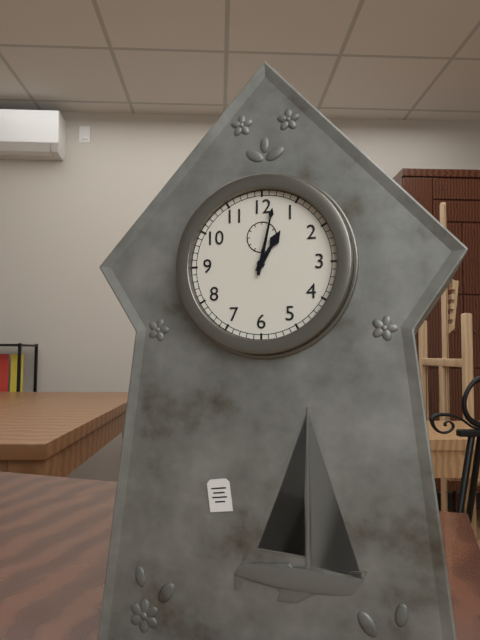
{"hour": 1, "minute": 2}
